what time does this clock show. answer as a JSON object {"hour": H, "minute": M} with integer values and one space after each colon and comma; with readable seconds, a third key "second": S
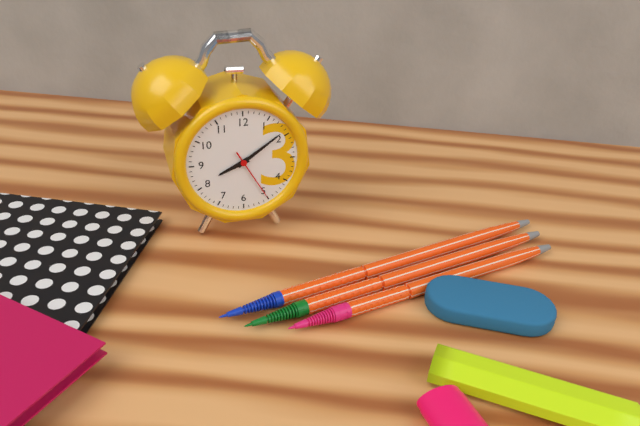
{"hour": 8, "minute": 9, "second": 25}
